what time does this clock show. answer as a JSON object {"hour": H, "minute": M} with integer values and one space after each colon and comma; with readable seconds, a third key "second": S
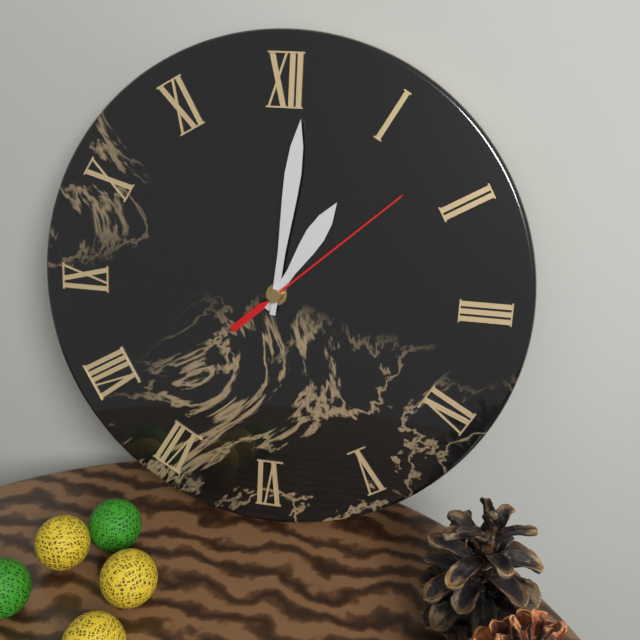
{"hour": 1, "minute": 1, "second": 8}
